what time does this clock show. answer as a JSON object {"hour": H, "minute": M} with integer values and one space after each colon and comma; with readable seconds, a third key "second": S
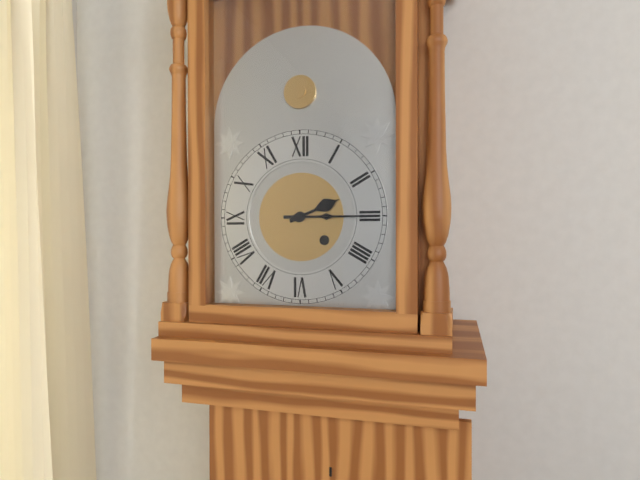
{"hour": 2, "minute": 15}
